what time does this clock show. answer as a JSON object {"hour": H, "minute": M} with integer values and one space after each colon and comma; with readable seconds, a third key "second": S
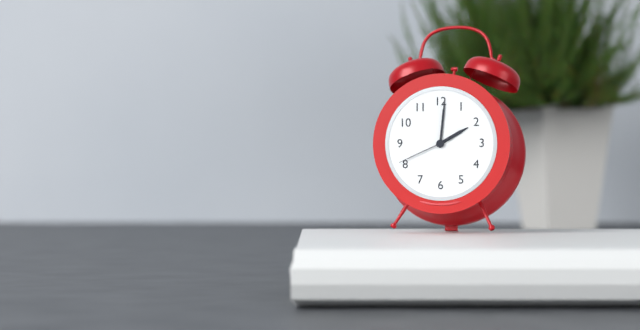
{"hour": 2, "minute": 1, "second": 41}
